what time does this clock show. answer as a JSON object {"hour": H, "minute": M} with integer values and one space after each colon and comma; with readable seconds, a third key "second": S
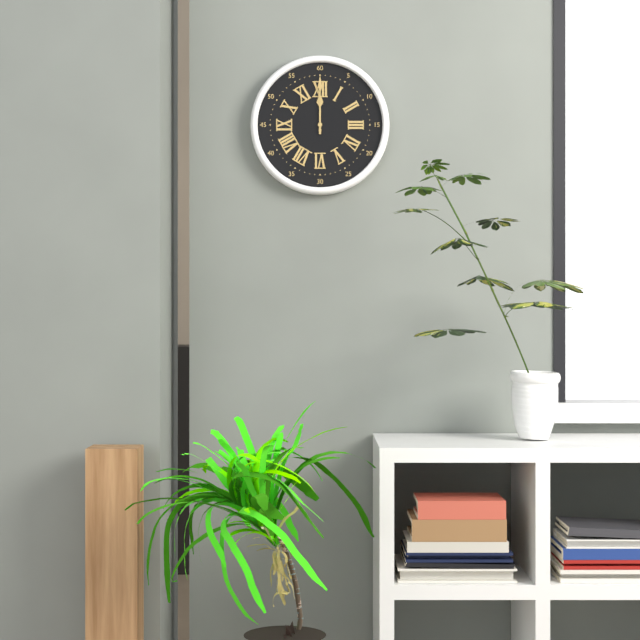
{"hour": 12, "minute": 0}
